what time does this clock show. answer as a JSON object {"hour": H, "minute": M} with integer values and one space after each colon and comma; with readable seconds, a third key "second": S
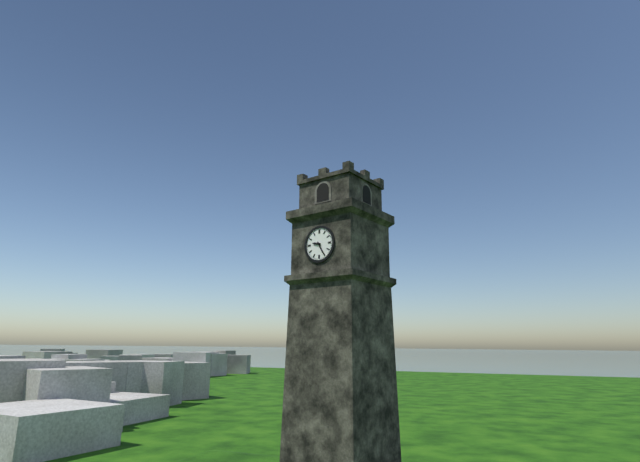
{"hour": 9, "minute": 25}
